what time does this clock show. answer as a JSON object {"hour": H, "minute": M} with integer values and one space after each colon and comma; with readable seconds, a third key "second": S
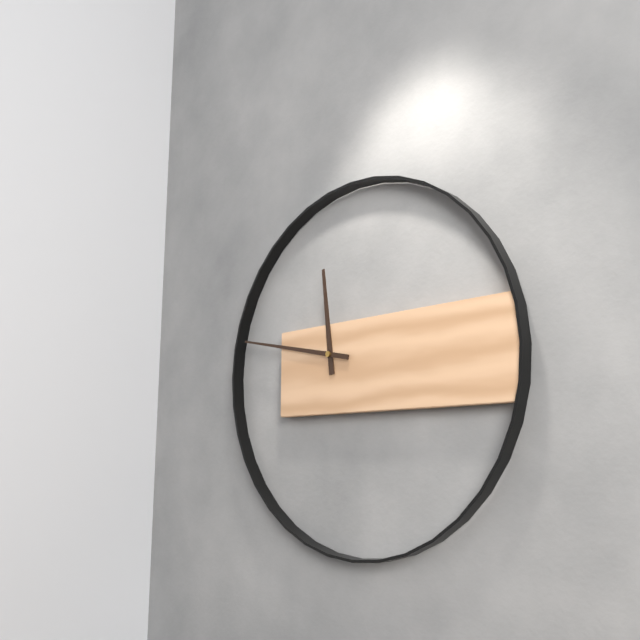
{"hour": 11, "minute": 47}
